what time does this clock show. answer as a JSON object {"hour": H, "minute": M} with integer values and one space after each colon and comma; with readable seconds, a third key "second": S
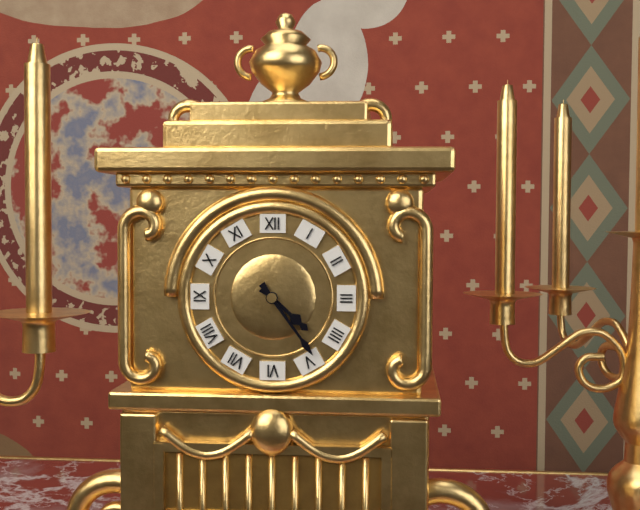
{"hour": 4, "minute": 24}
